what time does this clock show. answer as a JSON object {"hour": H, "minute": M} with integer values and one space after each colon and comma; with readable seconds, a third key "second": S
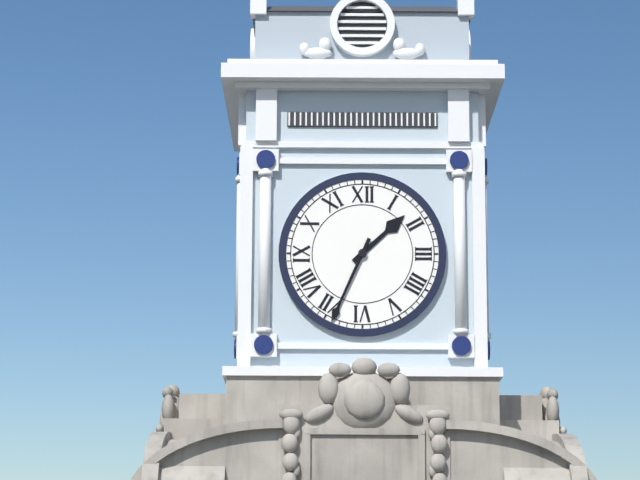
{"hour": 1, "minute": 34}
